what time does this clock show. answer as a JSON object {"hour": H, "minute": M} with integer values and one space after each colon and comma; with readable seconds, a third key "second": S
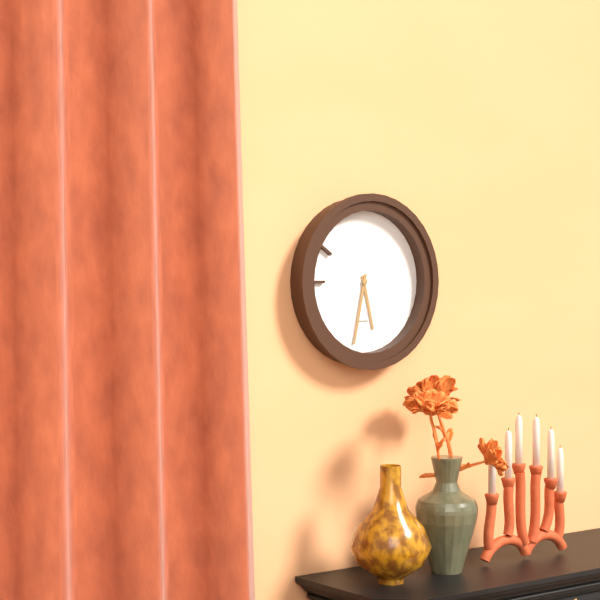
{"hour": 5, "minute": 32}
